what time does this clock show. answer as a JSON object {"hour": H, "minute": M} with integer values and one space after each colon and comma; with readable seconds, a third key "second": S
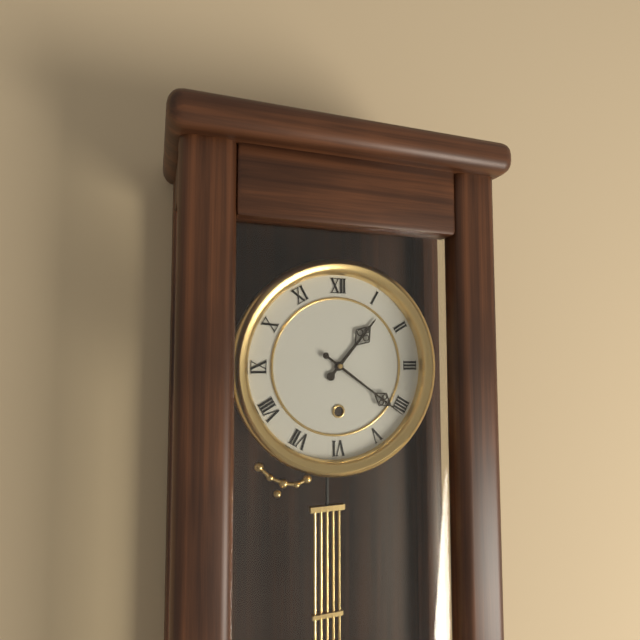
{"hour": 1, "minute": 21}
